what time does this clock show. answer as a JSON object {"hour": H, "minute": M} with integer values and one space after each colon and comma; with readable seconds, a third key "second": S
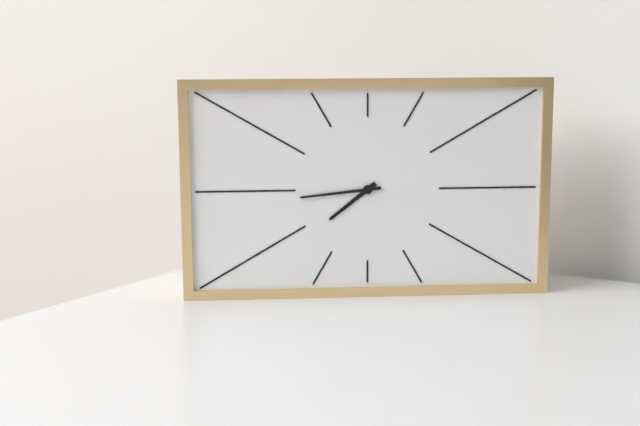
{"hour": 7, "minute": 44}
